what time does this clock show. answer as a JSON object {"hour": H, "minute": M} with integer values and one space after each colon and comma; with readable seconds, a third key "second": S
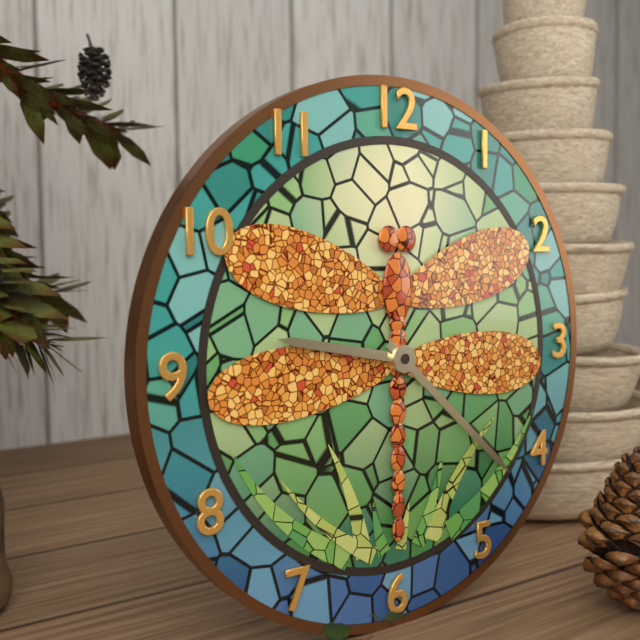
{"hour": 9, "minute": 22}
